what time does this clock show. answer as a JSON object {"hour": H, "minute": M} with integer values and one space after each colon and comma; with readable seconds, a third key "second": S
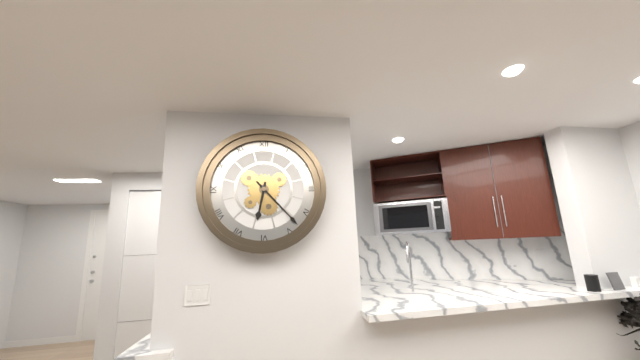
{"hour": 6, "minute": 23}
